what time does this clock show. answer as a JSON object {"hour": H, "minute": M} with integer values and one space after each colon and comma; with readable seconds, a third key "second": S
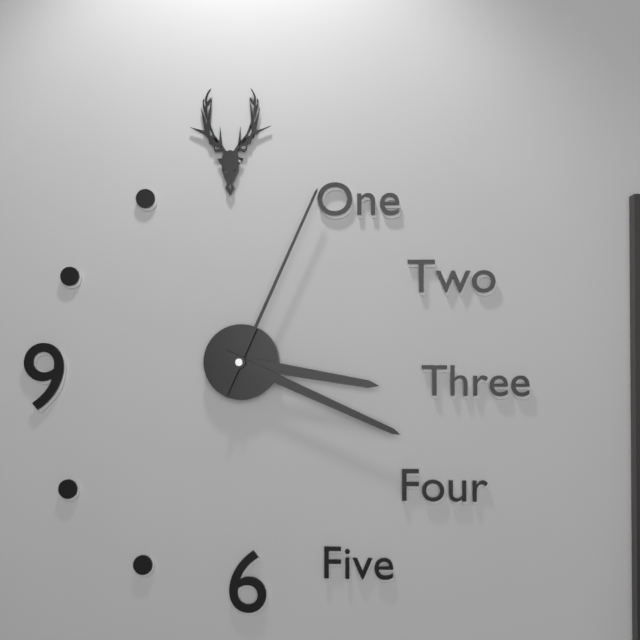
{"hour": 3, "minute": 19, "second": 4}
